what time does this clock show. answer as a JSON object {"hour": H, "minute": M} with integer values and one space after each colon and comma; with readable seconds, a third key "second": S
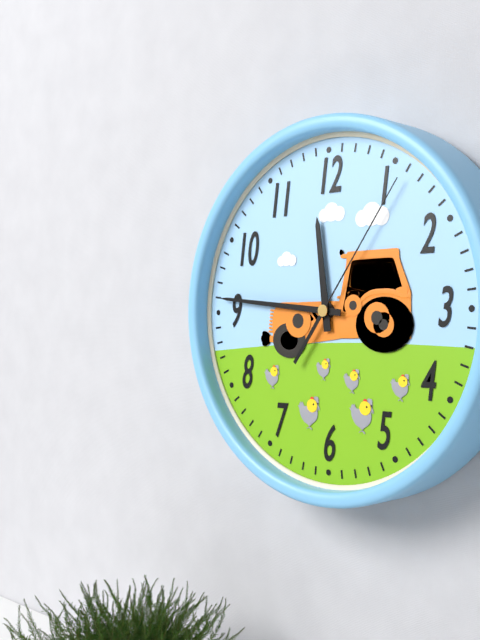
{"hour": 11, "minute": 46, "second": 6}
